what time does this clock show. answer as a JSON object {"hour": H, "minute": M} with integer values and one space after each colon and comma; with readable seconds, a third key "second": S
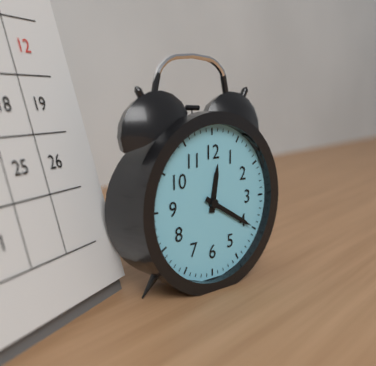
{"hour": 12, "minute": 20}
